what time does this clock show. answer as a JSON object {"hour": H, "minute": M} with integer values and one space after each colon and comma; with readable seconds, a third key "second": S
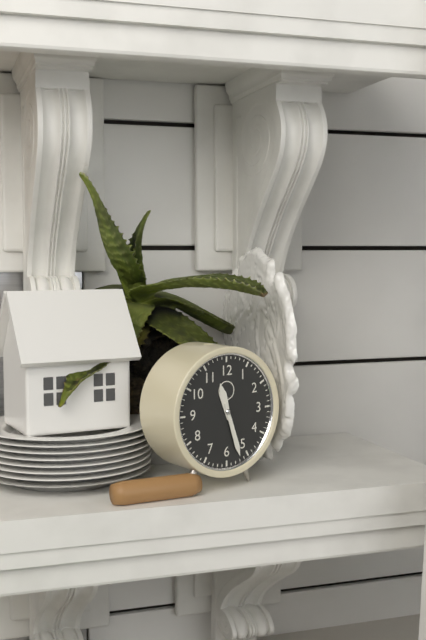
{"hour": 11, "minute": 27}
